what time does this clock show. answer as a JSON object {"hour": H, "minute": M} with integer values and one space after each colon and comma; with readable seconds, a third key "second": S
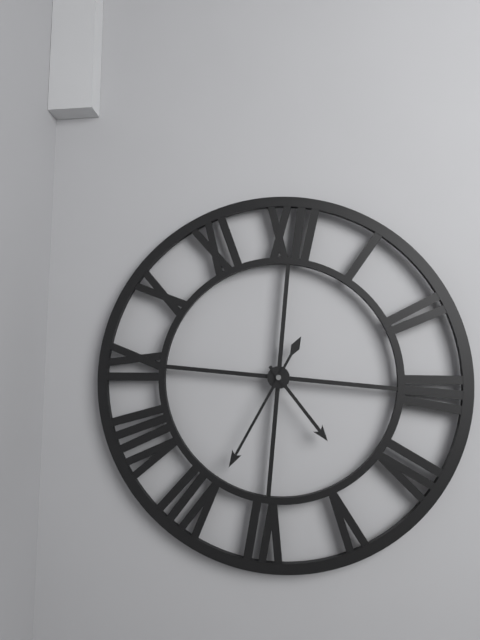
{"hour": 4, "minute": 34}
